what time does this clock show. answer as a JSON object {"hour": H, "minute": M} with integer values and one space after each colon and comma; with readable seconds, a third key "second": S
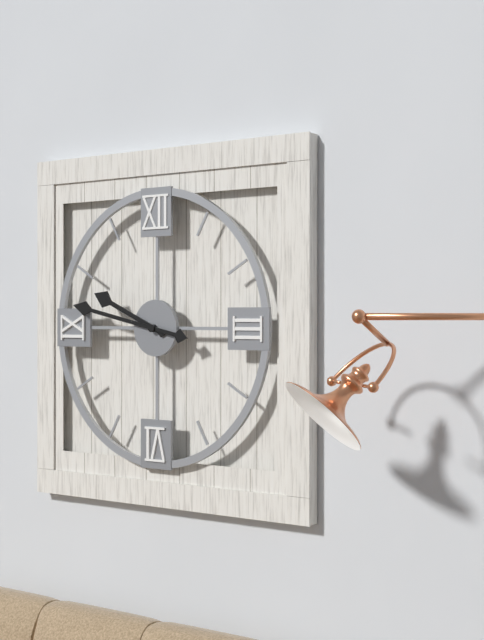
{"hour": 9, "minute": 47}
